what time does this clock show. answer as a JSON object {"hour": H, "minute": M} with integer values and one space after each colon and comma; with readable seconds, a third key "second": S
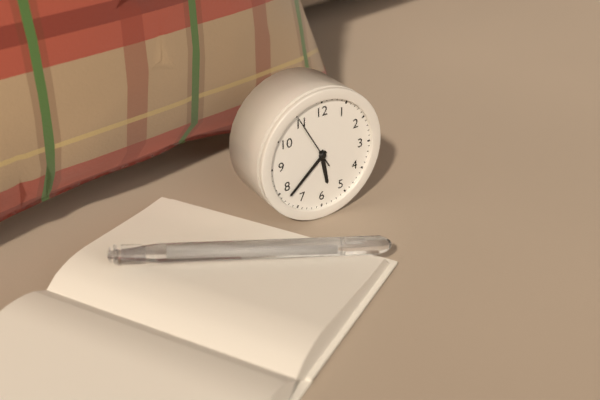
{"hour": 5, "minute": 38, "second": 55}
